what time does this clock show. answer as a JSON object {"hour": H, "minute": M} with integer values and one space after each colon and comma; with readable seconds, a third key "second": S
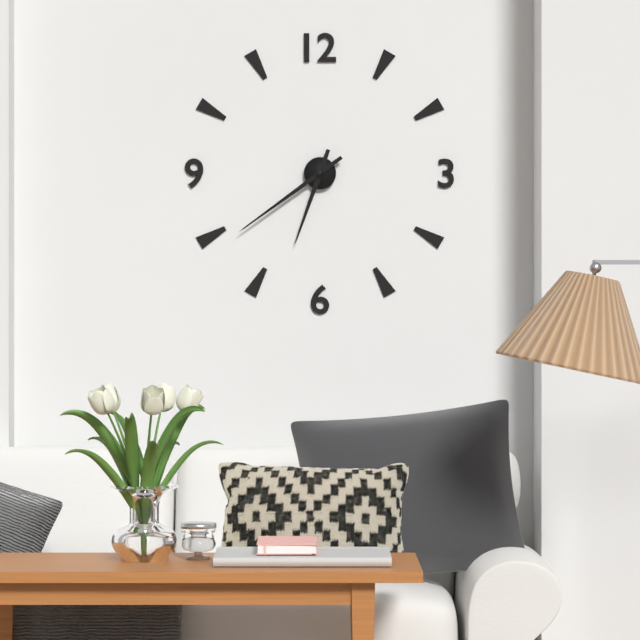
{"hour": 6, "minute": 39}
